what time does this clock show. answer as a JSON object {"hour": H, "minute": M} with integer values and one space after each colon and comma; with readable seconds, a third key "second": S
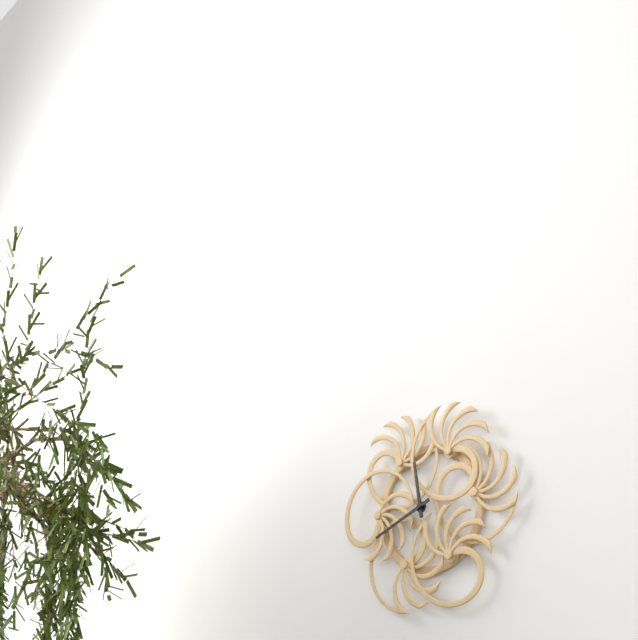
{"hour": 11, "minute": 41}
